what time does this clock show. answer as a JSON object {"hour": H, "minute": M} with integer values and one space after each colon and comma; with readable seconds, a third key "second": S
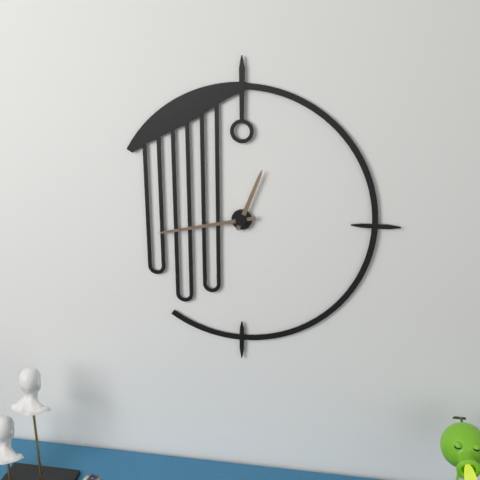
{"hour": 12, "minute": 43}
